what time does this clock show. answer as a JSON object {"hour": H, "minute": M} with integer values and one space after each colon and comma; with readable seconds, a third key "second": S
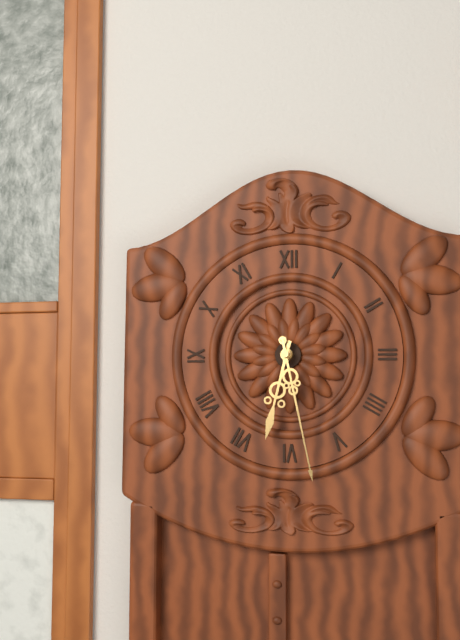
{"hour": 6, "minute": 28}
